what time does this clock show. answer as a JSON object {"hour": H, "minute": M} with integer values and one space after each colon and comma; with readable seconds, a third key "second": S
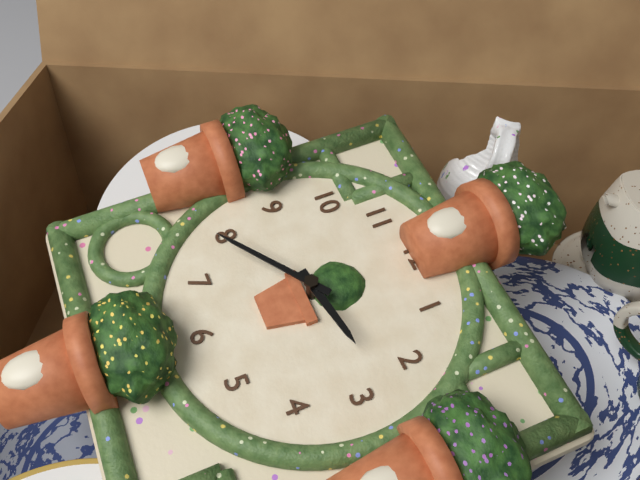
{"hour": 2, "minute": 39}
